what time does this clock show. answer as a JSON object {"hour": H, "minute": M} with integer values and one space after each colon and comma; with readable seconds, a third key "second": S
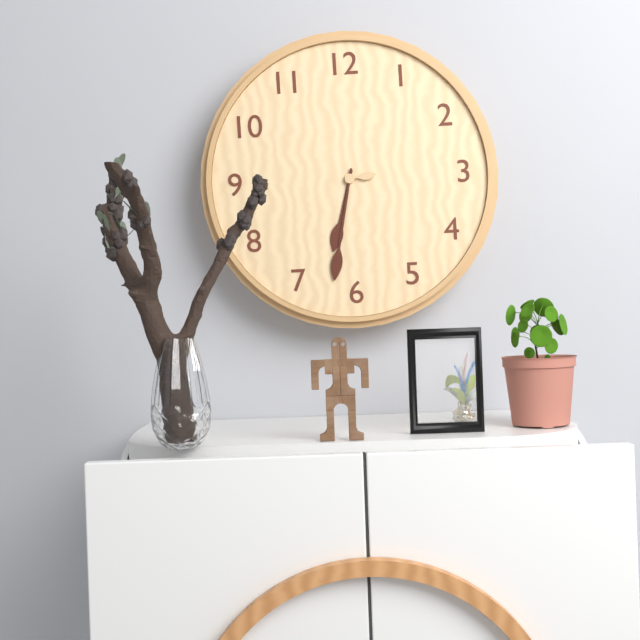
{"hour": 6, "minute": 32}
